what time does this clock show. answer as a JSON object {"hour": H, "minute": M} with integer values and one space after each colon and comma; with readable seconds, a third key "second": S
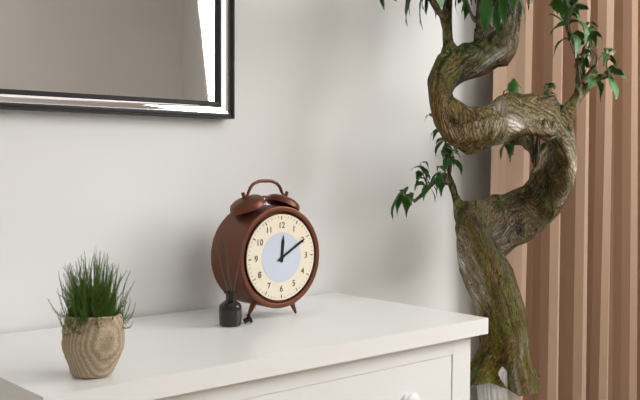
{"hour": 12, "minute": 10}
